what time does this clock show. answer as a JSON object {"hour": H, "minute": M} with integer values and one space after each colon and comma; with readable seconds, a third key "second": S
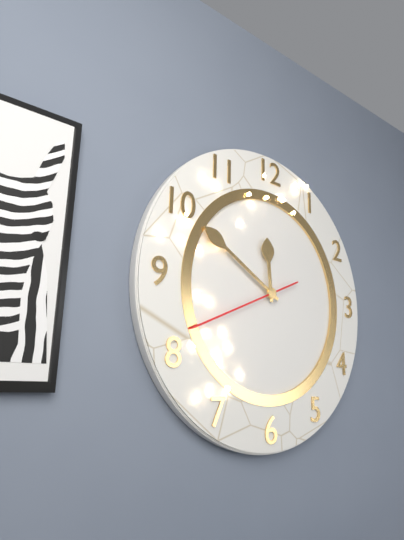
{"hour": 11, "minute": 50, "second": 41}
